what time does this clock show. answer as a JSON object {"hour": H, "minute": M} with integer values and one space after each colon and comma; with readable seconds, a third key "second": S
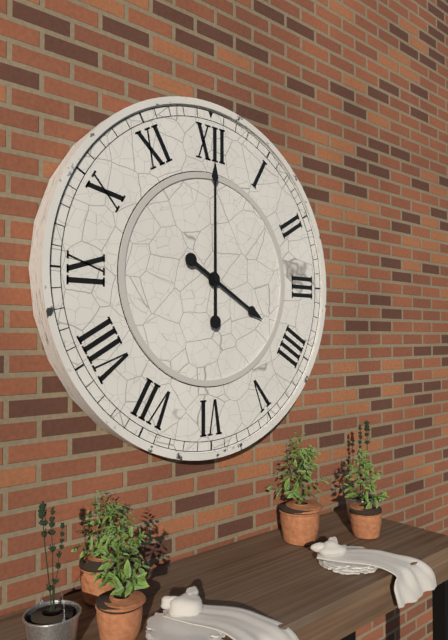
{"hour": 4, "minute": 0}
